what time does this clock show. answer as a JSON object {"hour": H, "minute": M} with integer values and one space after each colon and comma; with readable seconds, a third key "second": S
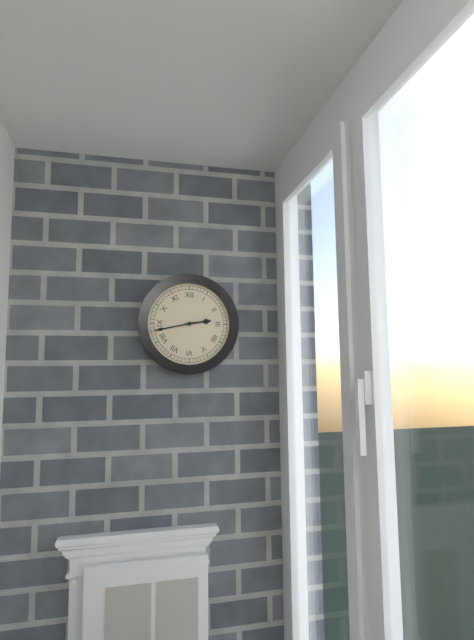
{"hour": 2, "minute": 43}
